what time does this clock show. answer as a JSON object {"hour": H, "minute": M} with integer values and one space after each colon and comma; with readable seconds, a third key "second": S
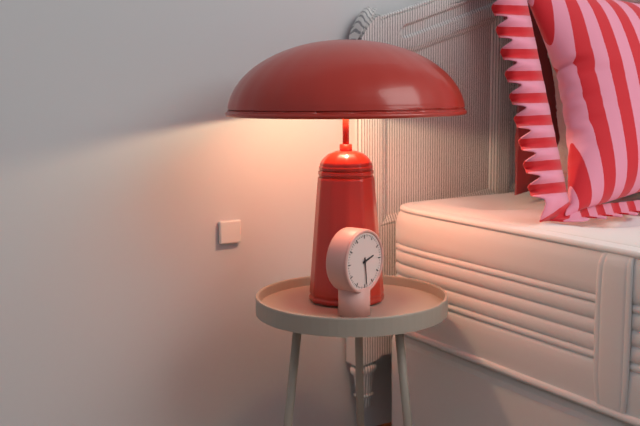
{"hour": 2, "minute": 29}
